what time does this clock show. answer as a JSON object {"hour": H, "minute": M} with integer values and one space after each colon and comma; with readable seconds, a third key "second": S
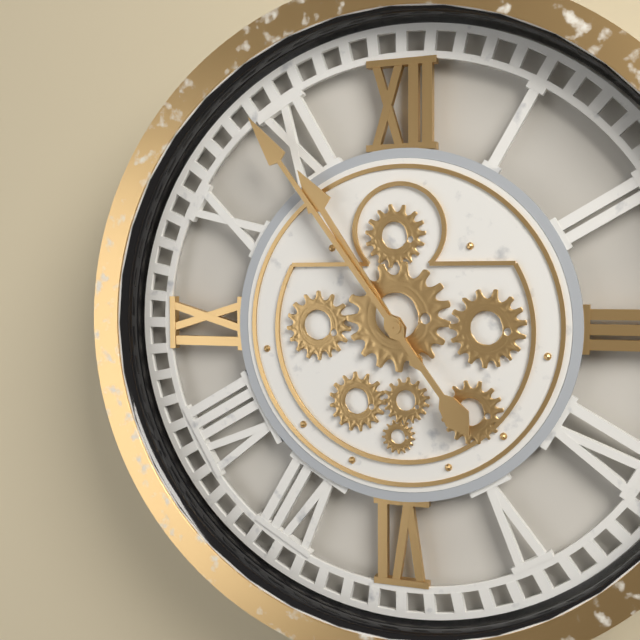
{"hour": 10, "minute": 54}
